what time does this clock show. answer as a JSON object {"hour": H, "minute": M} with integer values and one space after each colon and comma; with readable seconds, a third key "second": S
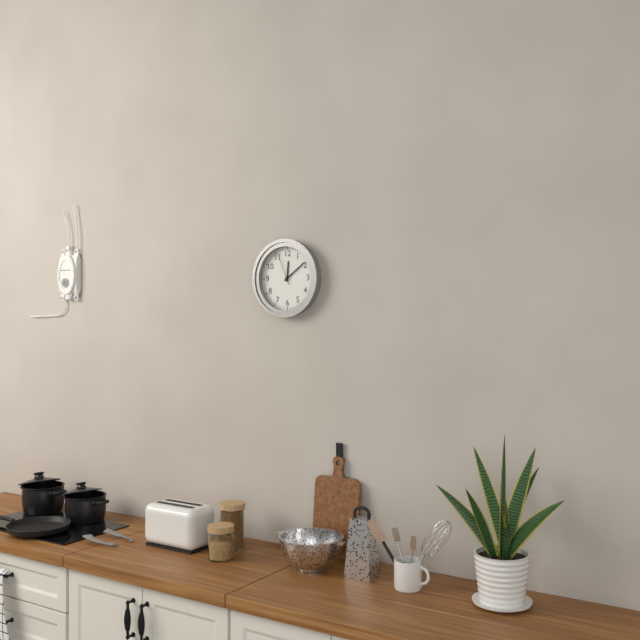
{"hour": 12, "minute": 9}
